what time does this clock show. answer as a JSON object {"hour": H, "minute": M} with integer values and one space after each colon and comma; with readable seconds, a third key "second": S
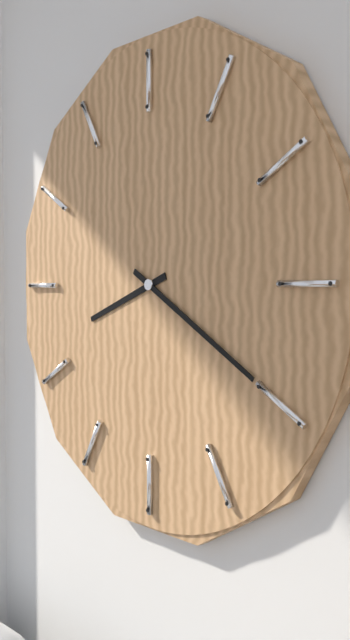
{"hour": 8, "minute": 20}
